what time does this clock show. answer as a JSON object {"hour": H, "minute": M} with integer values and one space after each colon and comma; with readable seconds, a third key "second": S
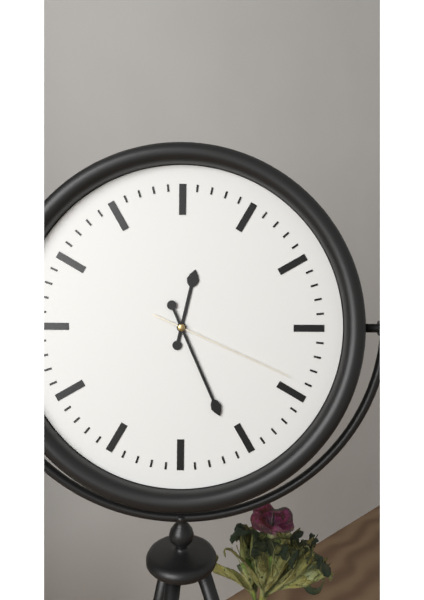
{"hour": 12, "minute": 26, "second": 19}
